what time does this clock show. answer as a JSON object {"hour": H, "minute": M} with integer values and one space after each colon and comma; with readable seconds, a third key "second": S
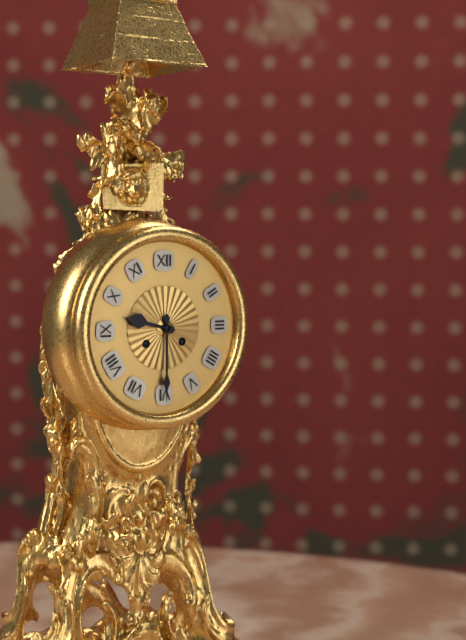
{"hour": 9, "minute": 30}
